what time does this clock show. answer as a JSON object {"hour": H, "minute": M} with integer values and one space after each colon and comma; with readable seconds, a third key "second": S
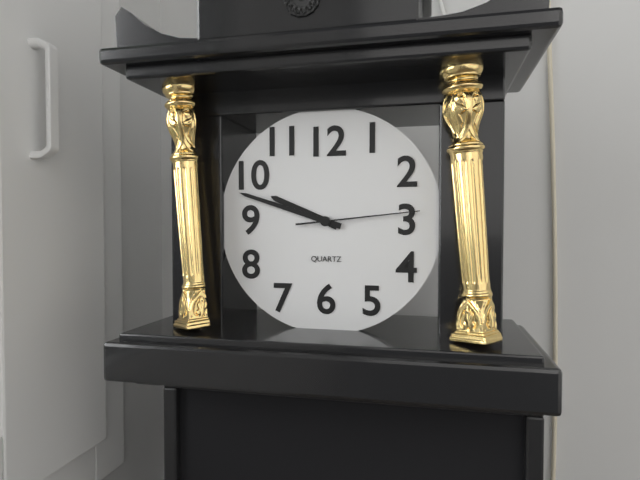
{"hour": 9, "minute": 48, "second": 14}
